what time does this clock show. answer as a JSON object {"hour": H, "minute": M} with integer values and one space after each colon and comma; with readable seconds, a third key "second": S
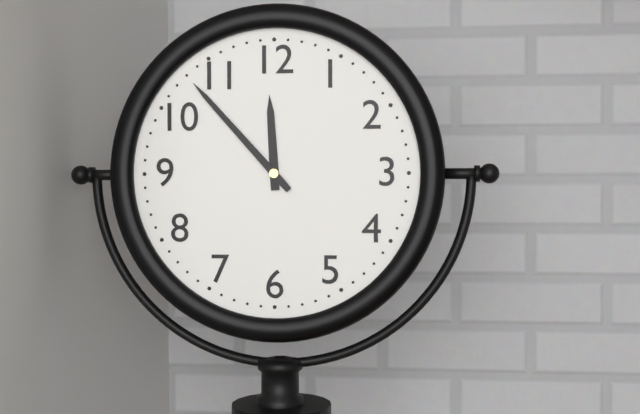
{"hour": 11, "minute": 53}
